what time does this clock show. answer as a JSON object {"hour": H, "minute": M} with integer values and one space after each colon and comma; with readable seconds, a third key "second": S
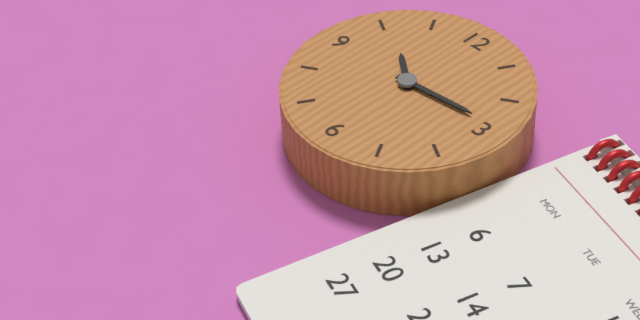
{"hour": 10, "minute": 14}
